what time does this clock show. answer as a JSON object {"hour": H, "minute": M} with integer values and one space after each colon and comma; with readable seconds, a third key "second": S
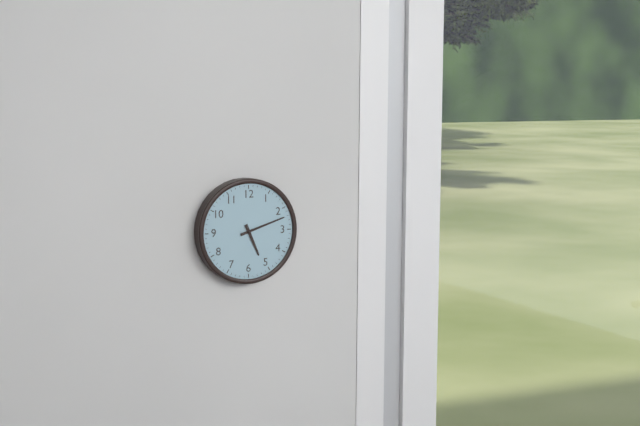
{"hour": 5, "minute": 12}
